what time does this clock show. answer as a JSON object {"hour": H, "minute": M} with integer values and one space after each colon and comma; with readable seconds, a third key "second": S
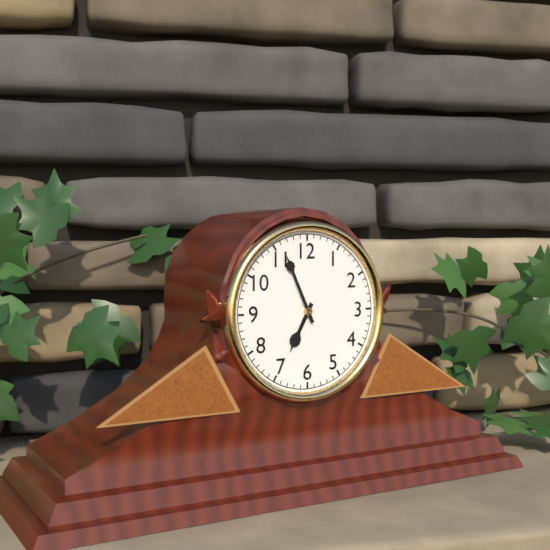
{"hour": 6, "minute": 56}
